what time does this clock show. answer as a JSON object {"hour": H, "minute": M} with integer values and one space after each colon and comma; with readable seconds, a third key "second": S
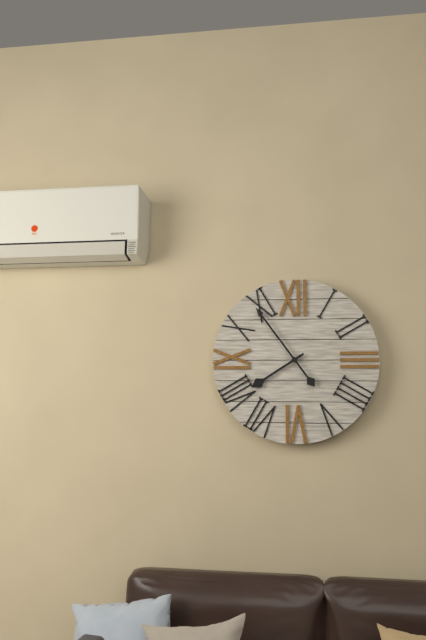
{"hour": 7, "minute": 54}
